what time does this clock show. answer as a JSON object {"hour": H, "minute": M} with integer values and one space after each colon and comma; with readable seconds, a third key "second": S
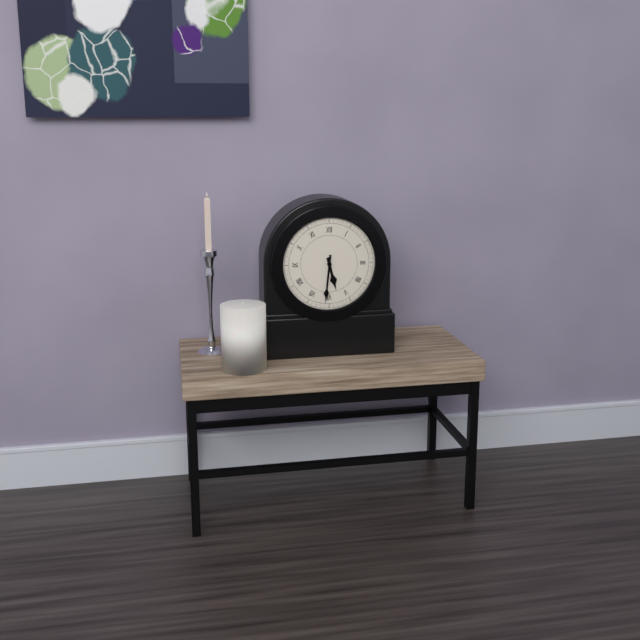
{"hour": 5, "minute": 31}
